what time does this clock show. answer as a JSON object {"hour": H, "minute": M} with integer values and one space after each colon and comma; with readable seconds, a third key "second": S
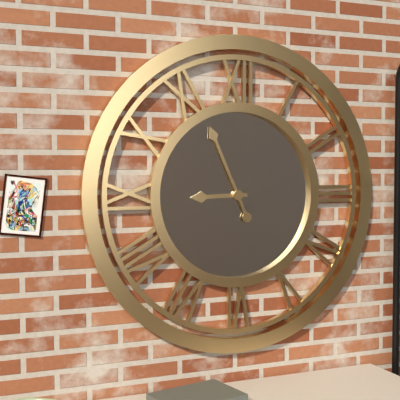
{"hour": 8, "minute": 56}
